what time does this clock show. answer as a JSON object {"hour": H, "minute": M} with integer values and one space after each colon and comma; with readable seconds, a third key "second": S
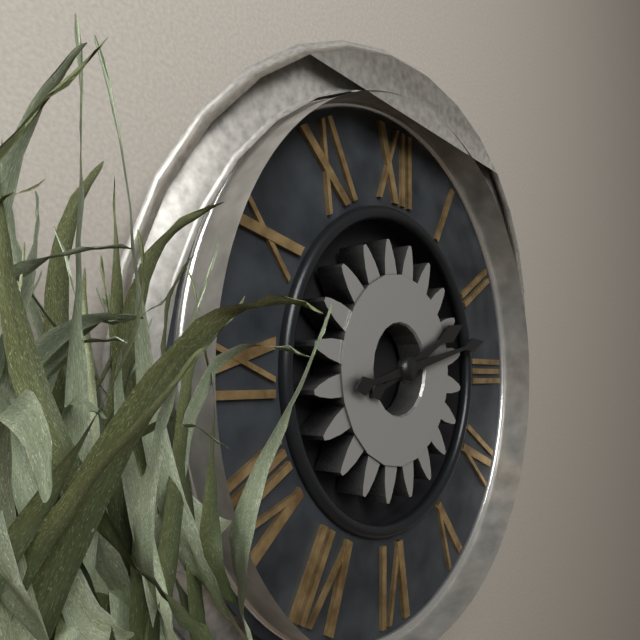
{"hour": 2, "minute": 13}
